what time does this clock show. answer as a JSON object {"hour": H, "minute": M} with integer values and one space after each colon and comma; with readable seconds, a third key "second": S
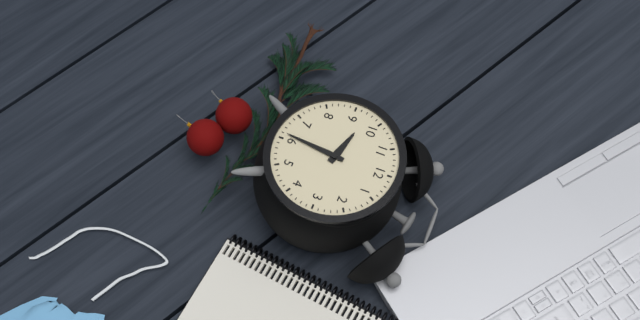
{"hour": 9, "minute": 31}
